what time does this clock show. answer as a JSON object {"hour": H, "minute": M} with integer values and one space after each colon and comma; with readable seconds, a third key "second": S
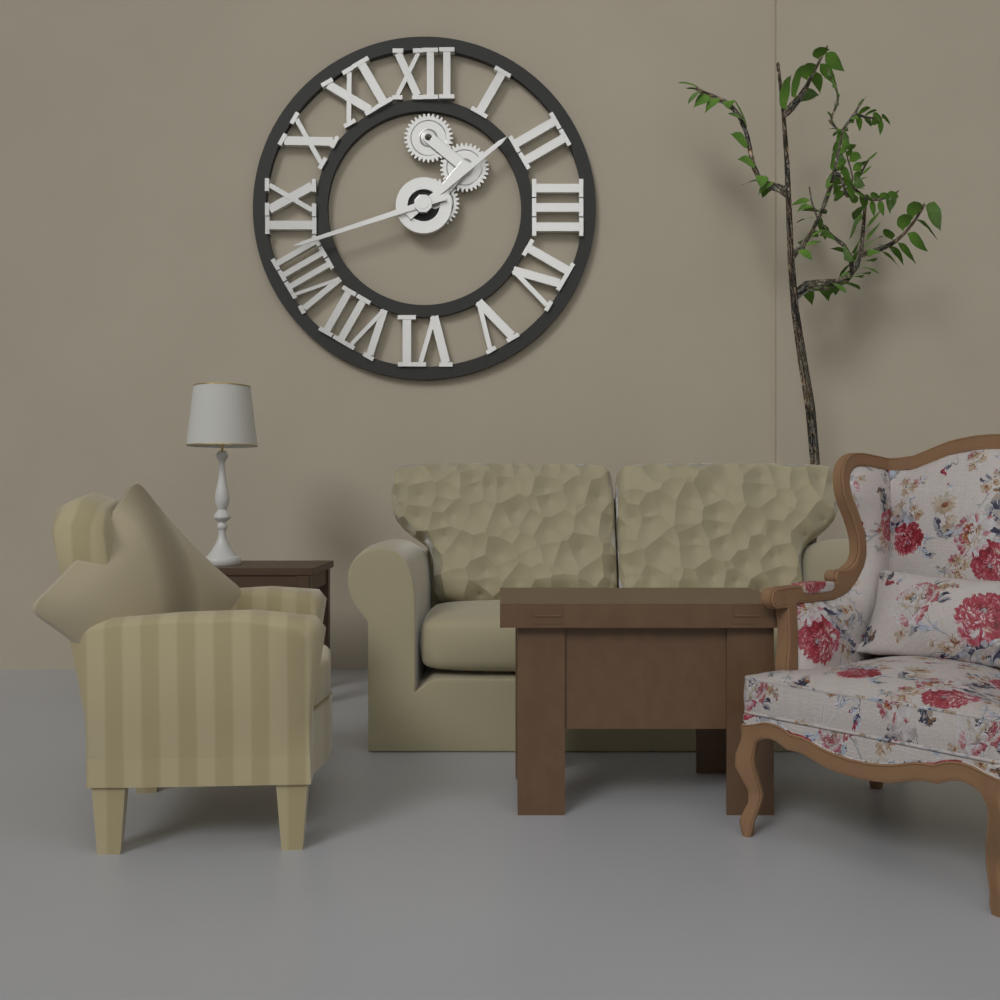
{"hour": 1, "minute": 42}
